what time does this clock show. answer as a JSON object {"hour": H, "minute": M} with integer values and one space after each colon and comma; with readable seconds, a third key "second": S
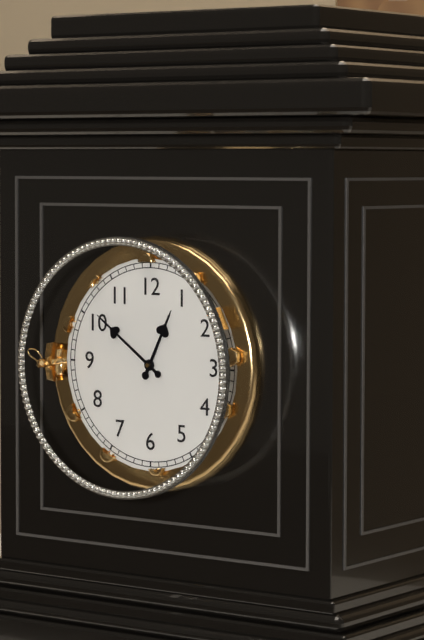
{"hour": 12, "minute": 51}
